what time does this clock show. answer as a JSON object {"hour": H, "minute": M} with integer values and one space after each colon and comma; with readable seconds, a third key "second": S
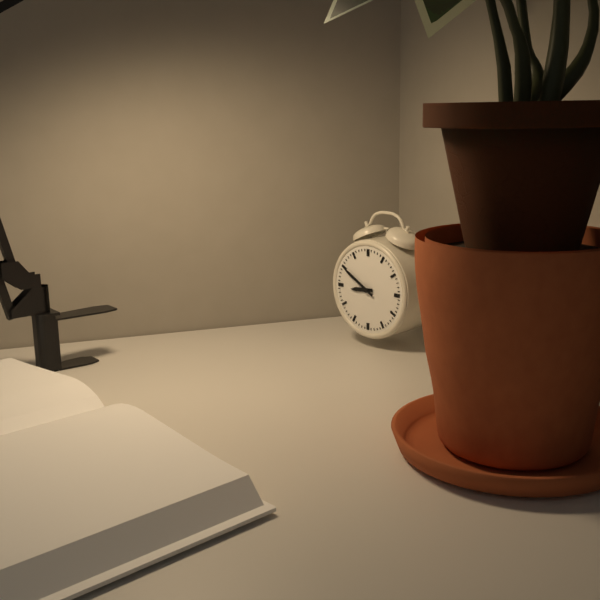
{"hour": 8, "minute": 50}
